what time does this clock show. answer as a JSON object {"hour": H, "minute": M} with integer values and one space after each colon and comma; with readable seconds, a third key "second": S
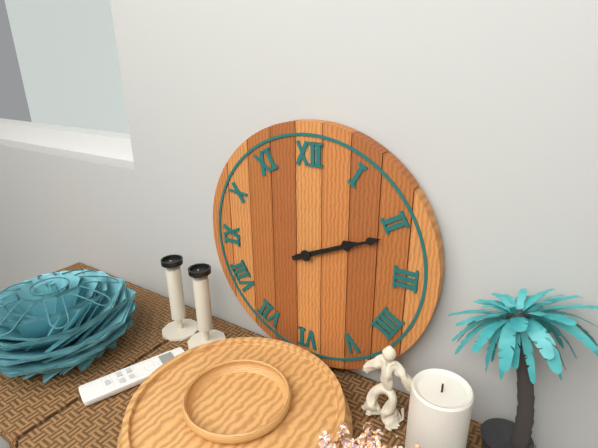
{"hour": 2, "minute": 11}
